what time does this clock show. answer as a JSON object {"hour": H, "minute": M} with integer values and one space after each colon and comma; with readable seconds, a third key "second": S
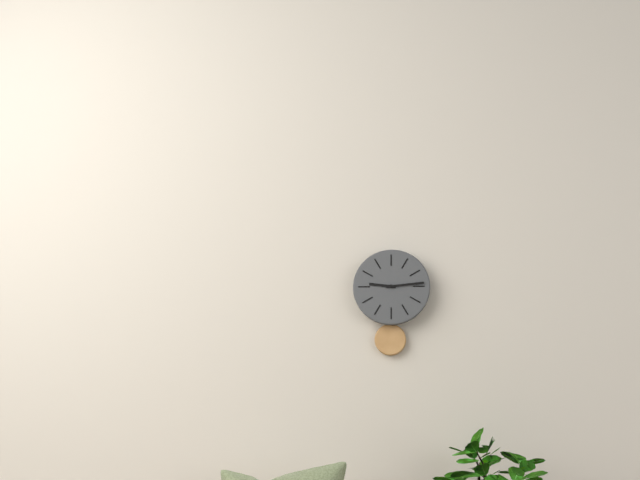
{"hour": 9, "minute": 14}
